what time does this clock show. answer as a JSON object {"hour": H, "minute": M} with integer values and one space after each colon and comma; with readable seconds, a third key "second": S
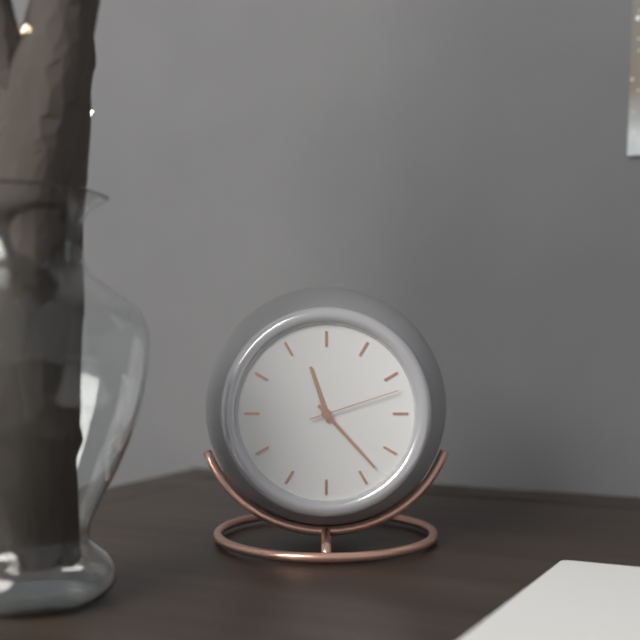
{"hour": 11, "minute": 23, "second": 12}
